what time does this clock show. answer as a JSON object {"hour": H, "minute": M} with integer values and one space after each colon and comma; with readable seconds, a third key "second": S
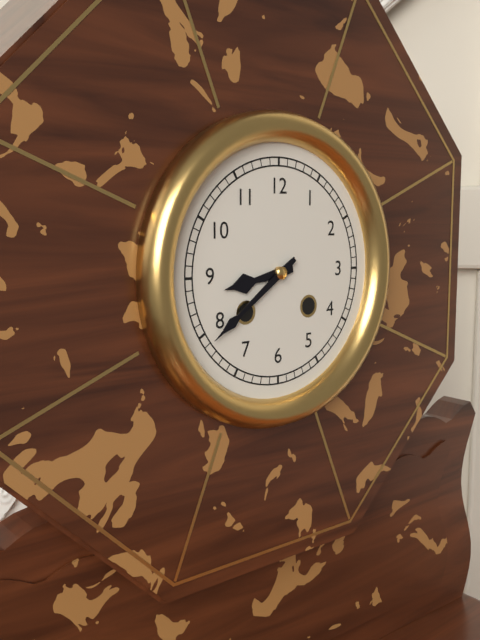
{"hour": 8, "minute": 39}
